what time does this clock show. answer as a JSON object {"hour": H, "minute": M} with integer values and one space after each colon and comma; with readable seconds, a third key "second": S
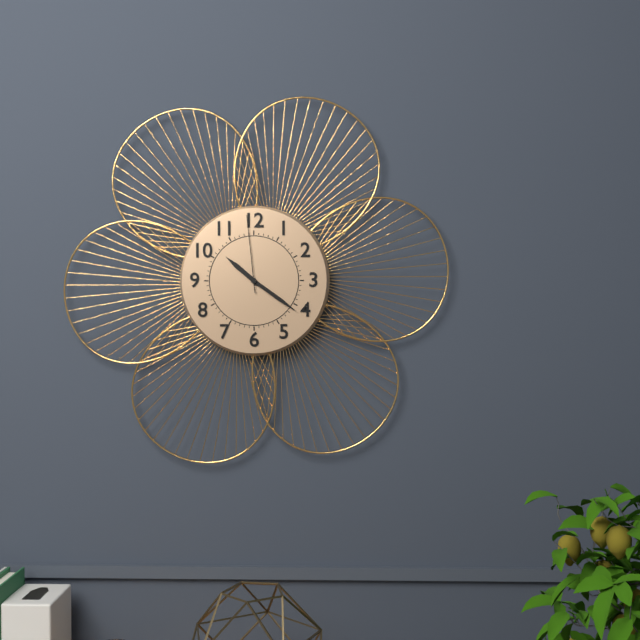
{"hour": 10, "minute": 21, "second": 59}
